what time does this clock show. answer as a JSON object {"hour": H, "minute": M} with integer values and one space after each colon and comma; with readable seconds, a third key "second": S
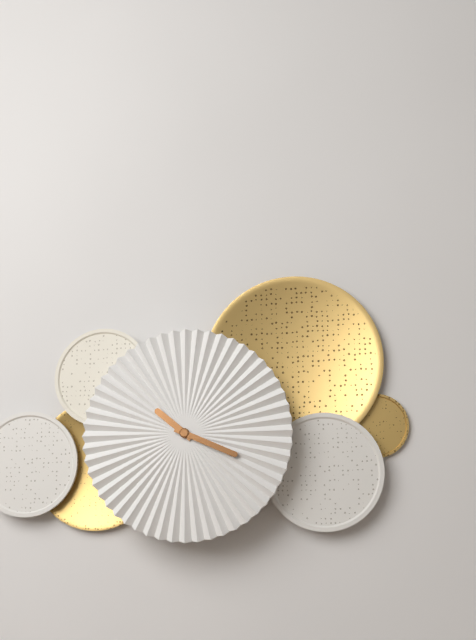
{"hour": 10, "minute": 19}
